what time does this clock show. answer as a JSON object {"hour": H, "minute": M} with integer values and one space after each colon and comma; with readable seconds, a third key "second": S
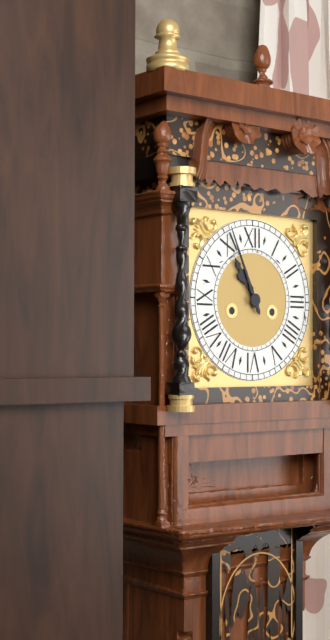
{"hour": 10, "minute": 56}
